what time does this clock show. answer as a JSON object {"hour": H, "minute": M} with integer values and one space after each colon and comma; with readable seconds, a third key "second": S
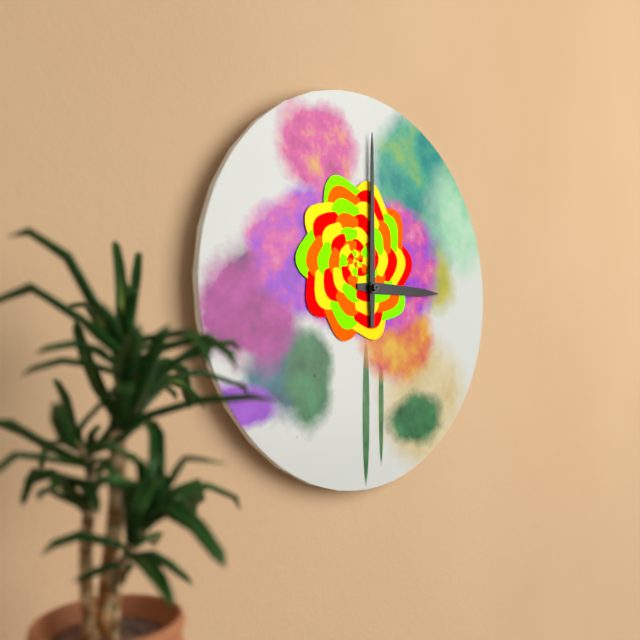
{"hour": 3, "minute": 0}
